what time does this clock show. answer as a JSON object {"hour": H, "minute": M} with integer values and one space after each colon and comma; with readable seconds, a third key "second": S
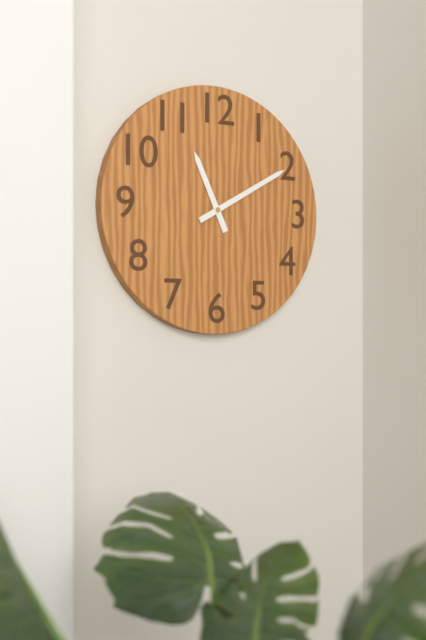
{"hour": 11, "minute": 10}
